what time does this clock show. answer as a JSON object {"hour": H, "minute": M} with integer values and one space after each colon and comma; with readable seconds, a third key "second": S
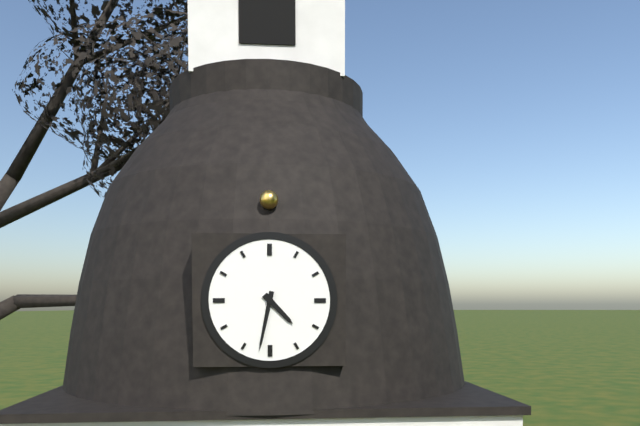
{"hour": 4, "minute": 32}
